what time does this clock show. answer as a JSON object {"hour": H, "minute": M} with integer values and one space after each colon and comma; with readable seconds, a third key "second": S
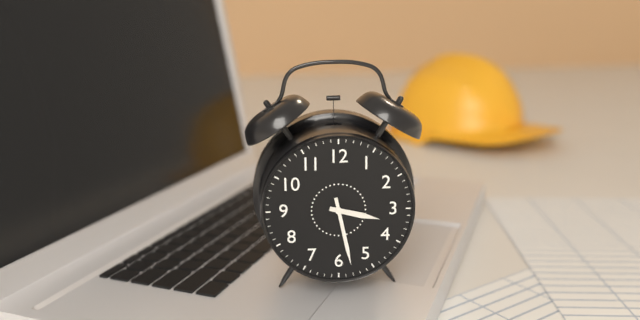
{"hour": 3, "minute": 28}
